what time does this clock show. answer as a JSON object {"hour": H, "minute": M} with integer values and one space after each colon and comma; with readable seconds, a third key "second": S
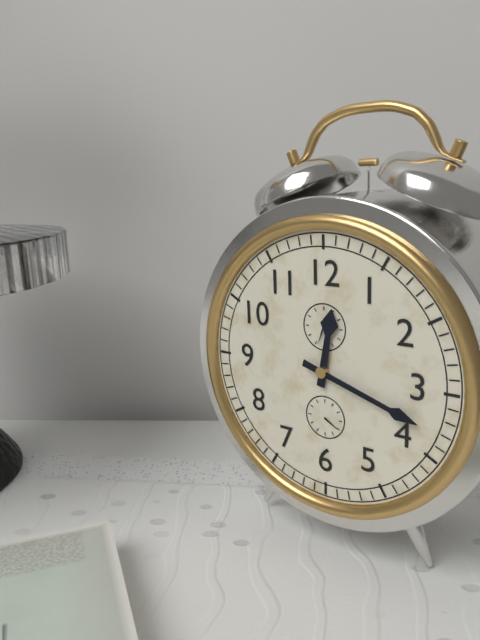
{"hour": 12, "minute": 18}
